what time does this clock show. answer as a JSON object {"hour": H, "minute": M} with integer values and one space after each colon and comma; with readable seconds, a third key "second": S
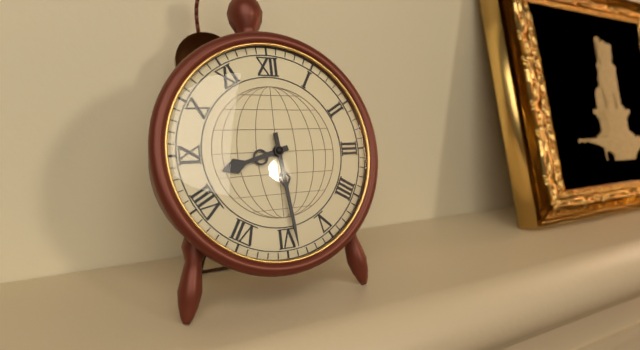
{"hour": 8, "minute": 29}
